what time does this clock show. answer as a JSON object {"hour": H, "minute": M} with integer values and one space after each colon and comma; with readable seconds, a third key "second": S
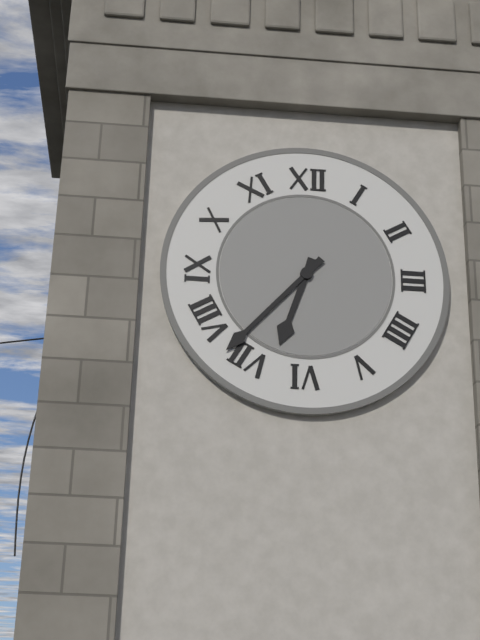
{"hour": 6, "minute": 37}
